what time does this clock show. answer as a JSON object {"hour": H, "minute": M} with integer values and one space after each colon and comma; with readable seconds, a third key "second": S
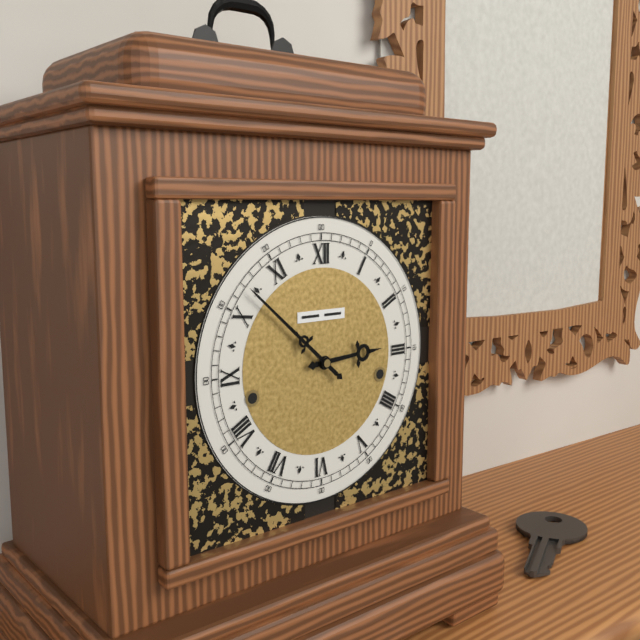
{"hour": 2, "minute": 52}
